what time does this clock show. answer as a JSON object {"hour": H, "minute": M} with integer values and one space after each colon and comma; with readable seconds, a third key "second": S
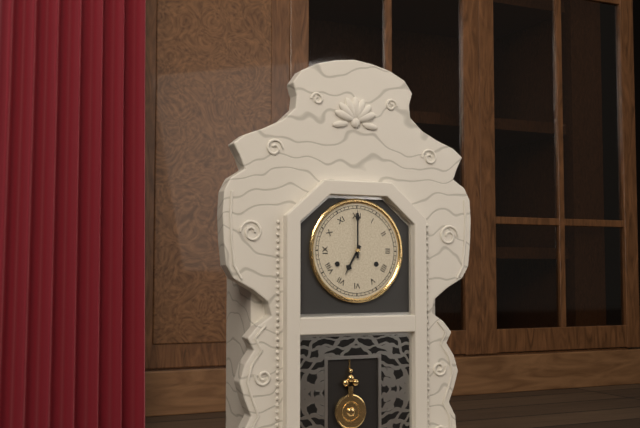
{"hour": 7, "minute": 0}
